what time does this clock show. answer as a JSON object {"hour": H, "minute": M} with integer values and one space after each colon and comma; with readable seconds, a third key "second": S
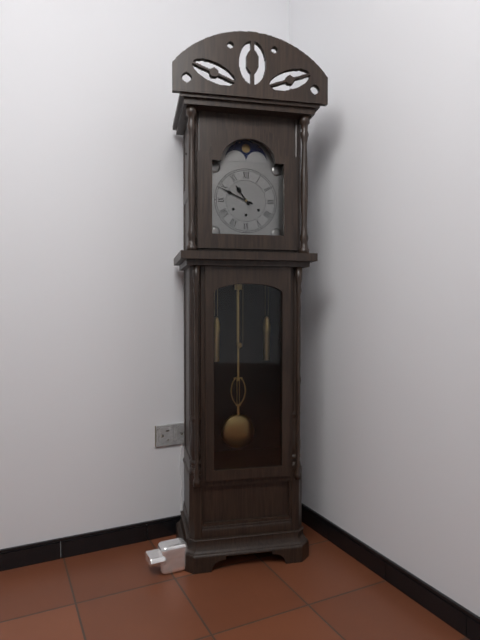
{"hour": 10, "minute": 49}
